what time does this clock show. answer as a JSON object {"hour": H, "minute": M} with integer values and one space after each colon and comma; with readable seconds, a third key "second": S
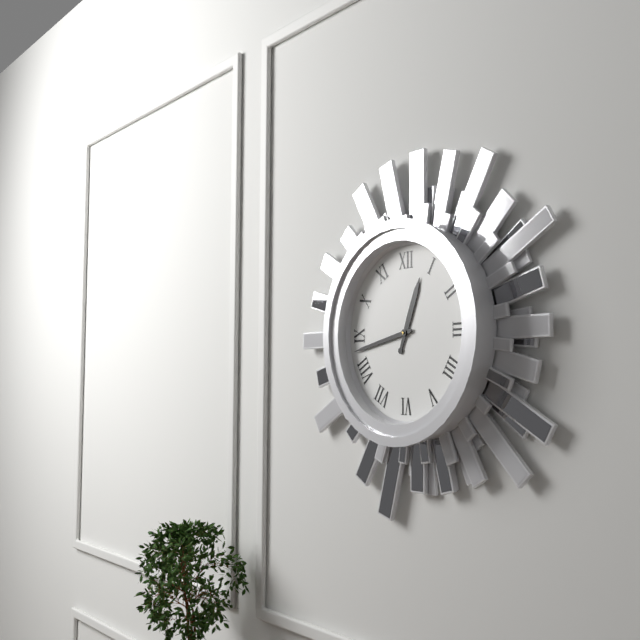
{"hour": 12, "minute": 43}
